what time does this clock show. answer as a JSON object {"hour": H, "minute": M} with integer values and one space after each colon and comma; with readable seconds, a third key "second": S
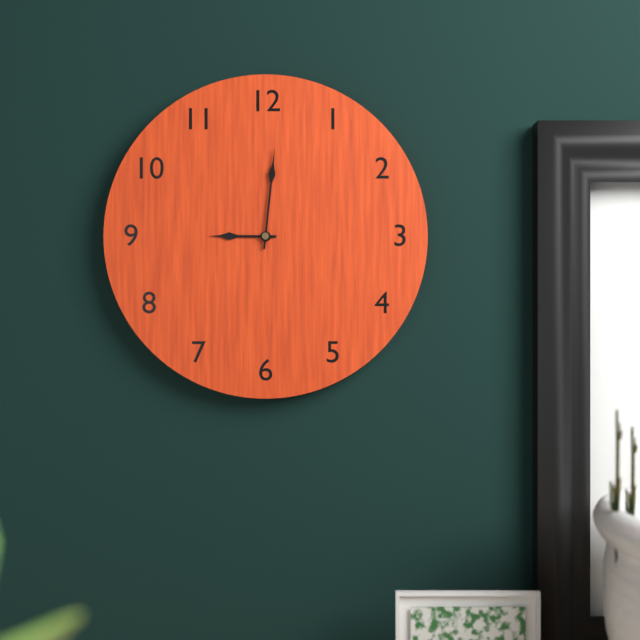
{"hour": 9, "minute": 1}
